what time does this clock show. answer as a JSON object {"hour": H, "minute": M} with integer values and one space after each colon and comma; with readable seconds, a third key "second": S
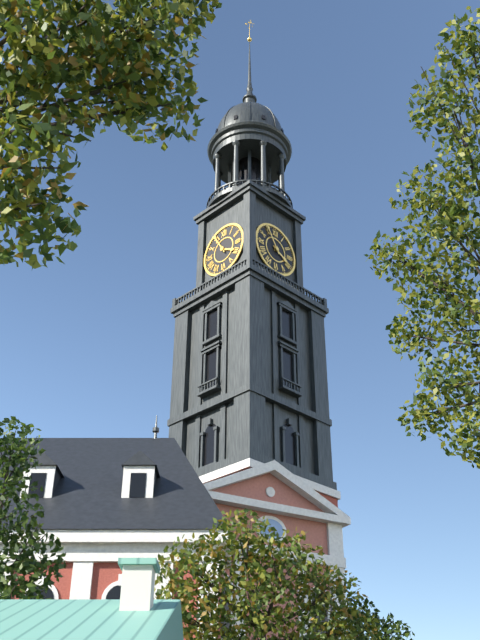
{"hour": 3, "minute": 55}
